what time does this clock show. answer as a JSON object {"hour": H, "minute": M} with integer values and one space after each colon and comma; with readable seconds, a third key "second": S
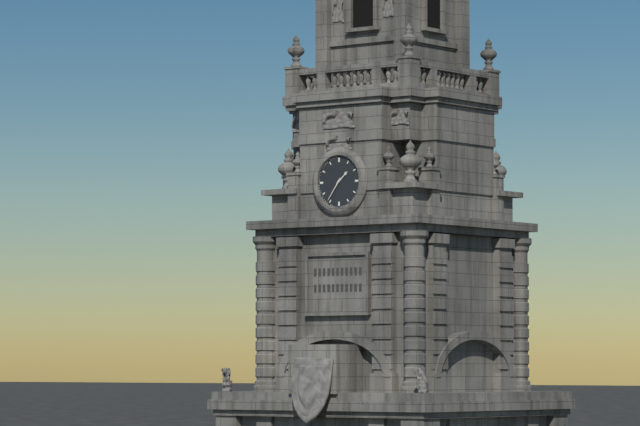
{"hour": 1, "minute": 36}
